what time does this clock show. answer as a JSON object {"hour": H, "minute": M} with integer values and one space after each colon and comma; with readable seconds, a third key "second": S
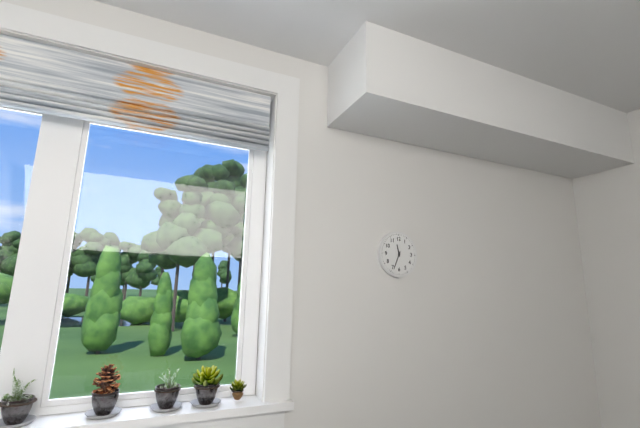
{"hour": 11, "minute": 34}
